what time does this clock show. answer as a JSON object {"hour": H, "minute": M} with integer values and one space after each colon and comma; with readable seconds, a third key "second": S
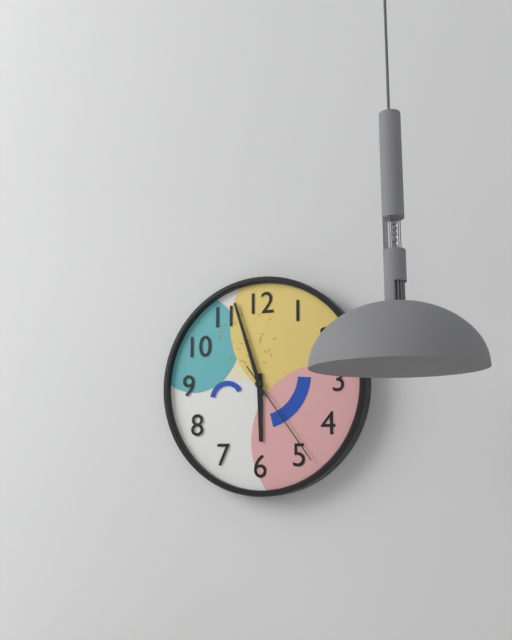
{"hour": 5, "minute": 57, "second": 24}
